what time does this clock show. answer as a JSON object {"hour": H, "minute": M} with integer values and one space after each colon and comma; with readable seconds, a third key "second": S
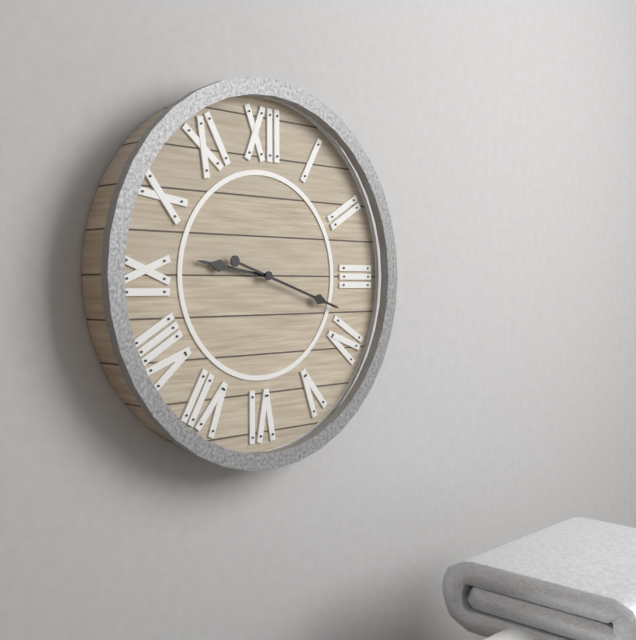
{"hour": 9, "minute": 18}
